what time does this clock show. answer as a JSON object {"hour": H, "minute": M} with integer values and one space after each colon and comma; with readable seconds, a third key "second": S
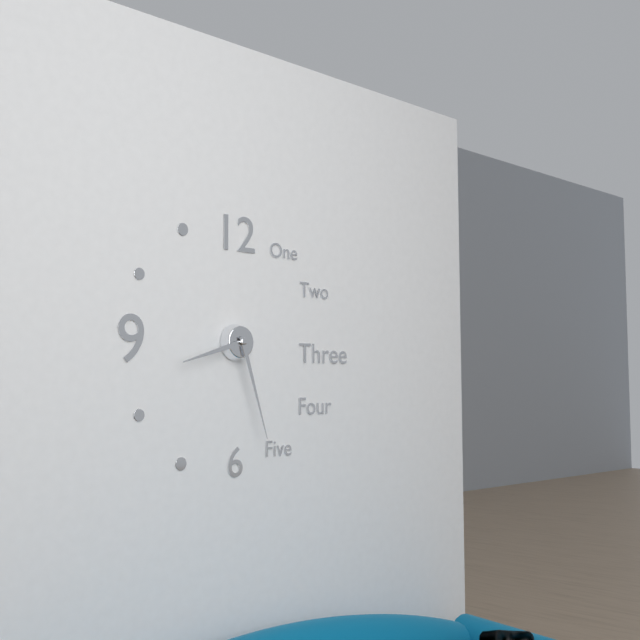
{"hour": 8, "minute": 27}
